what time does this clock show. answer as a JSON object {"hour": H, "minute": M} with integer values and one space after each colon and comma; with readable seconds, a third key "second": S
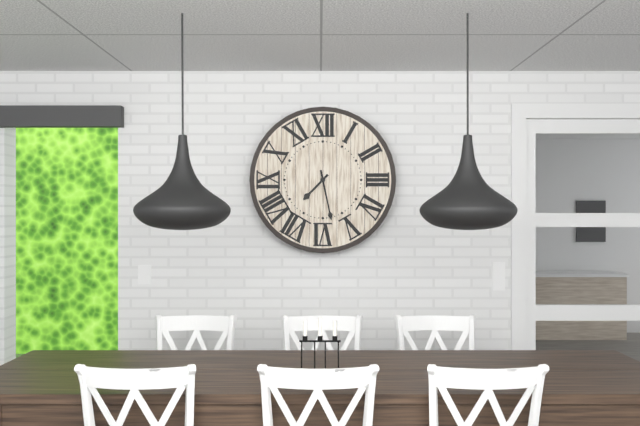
{"hour": 7, "minute": 28}
